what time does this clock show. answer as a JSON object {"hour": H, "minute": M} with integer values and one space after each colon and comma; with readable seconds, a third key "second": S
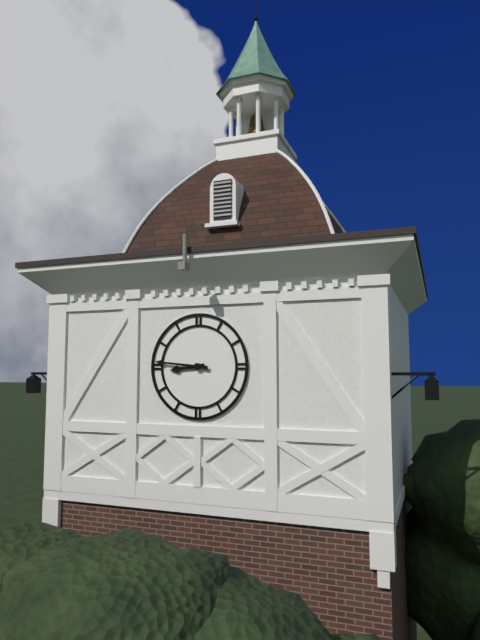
{"hour": 8, "minute": 46}
